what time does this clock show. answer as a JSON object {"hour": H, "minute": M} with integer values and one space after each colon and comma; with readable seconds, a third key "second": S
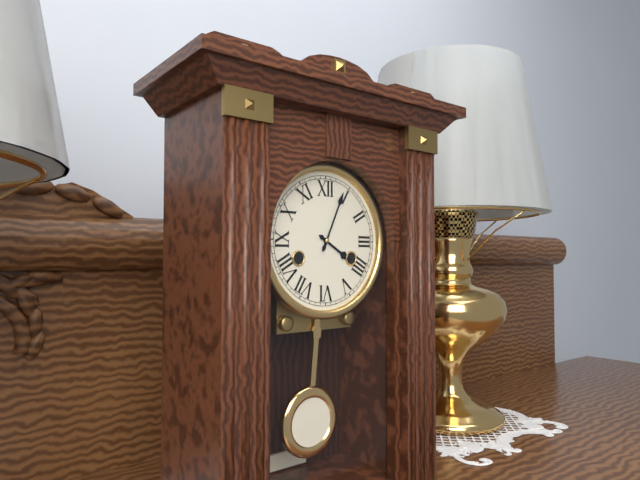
{"hour": 4, "minute": 4}
